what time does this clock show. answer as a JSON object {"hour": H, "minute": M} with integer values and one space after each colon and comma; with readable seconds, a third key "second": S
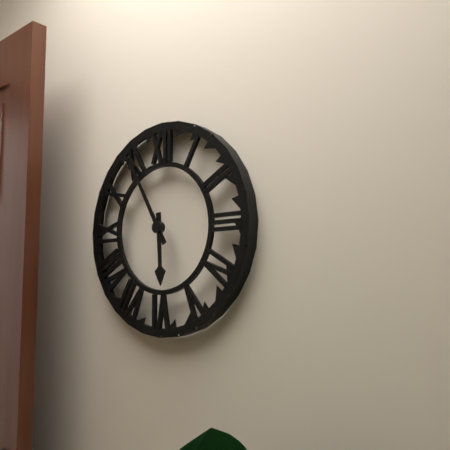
{"hour": 5, "minute": 55}
